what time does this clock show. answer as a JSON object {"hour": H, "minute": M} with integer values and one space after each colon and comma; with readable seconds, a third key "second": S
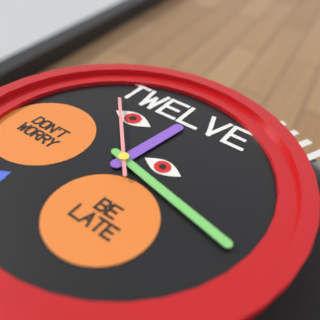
{"hour": 12, "minute": 17, "second": 53}
